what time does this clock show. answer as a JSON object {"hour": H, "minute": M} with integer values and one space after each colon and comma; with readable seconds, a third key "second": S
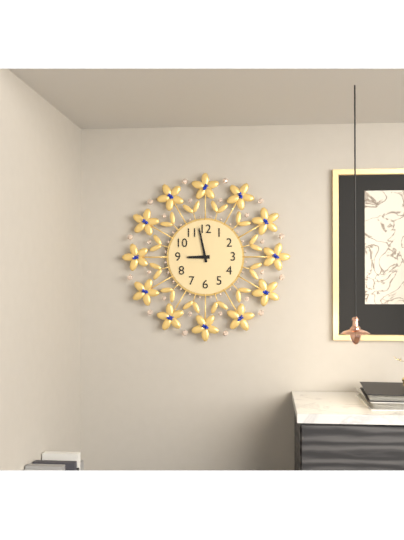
{"hour": 8, "minute": 58}
